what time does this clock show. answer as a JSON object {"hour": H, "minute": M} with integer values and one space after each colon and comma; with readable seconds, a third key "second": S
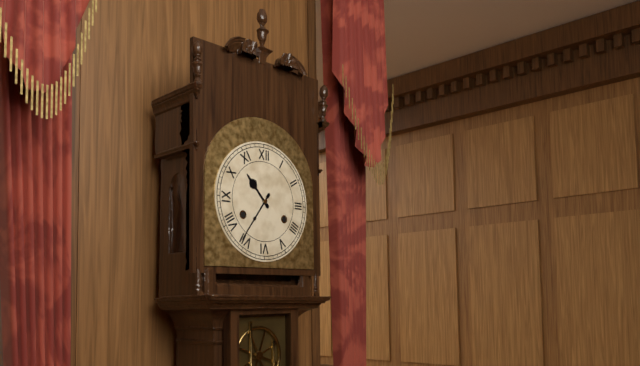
{"hour": 10, "minute": 36}
